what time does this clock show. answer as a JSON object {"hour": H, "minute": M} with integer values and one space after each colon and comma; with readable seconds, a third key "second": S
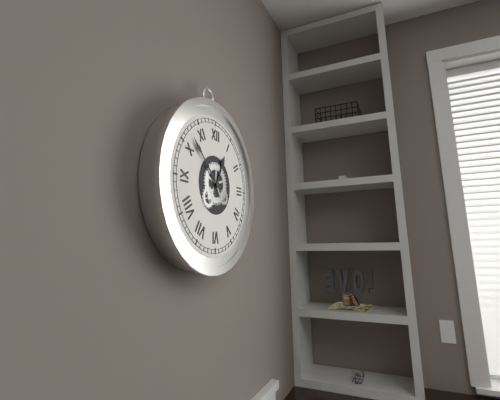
{"hour": 12, "minute": 52}
